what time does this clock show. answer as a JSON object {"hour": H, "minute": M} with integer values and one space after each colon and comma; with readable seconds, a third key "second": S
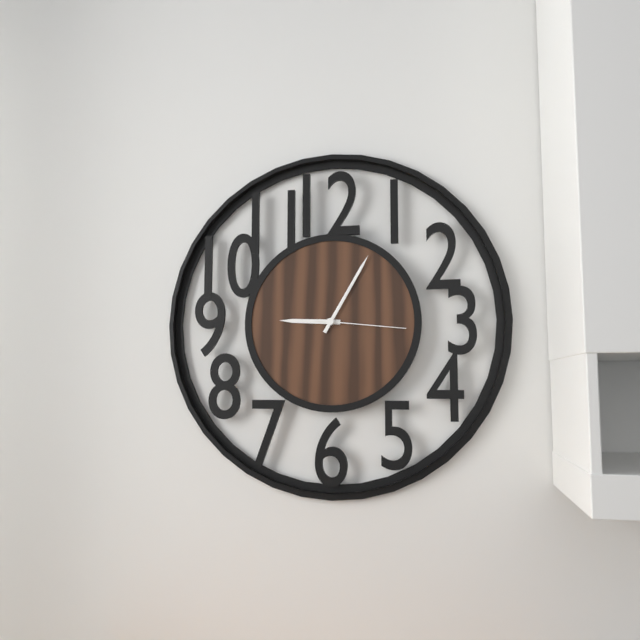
{"hour": 9, "minute": 5, "second": 16}
